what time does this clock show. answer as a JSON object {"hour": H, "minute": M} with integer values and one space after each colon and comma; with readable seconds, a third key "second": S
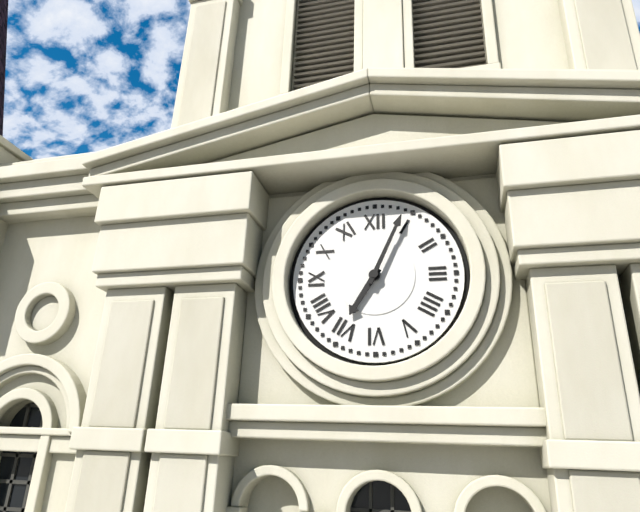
{"hour": 7, "minute": 4}
